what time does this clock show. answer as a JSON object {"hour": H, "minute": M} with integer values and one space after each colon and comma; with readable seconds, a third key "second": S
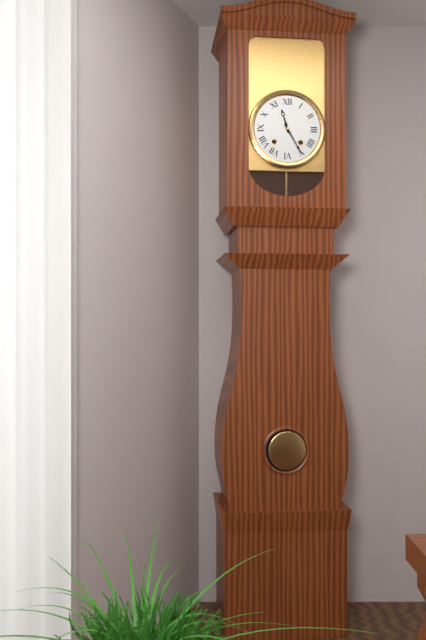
{"hour": 11, "minute": 25}
